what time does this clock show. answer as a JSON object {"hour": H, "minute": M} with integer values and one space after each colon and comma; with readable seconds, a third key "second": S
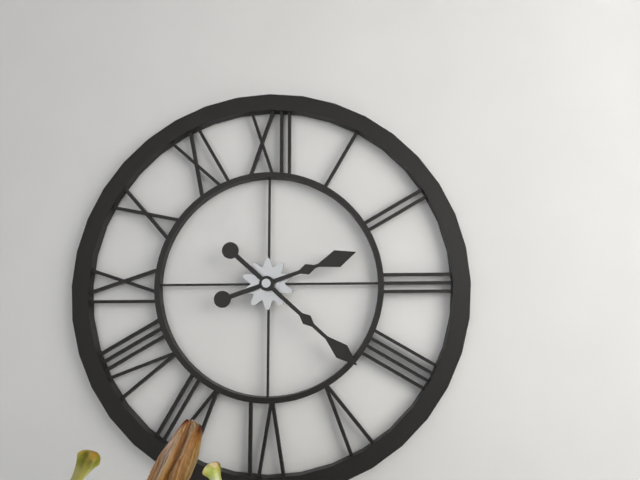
{"hour": 2, "minute": 22}
